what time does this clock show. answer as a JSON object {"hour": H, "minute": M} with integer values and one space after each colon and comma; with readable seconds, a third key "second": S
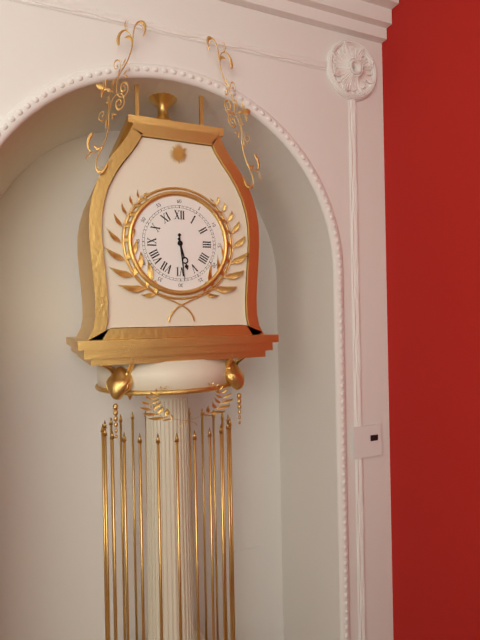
{"hour": 5, "minute": 29}
